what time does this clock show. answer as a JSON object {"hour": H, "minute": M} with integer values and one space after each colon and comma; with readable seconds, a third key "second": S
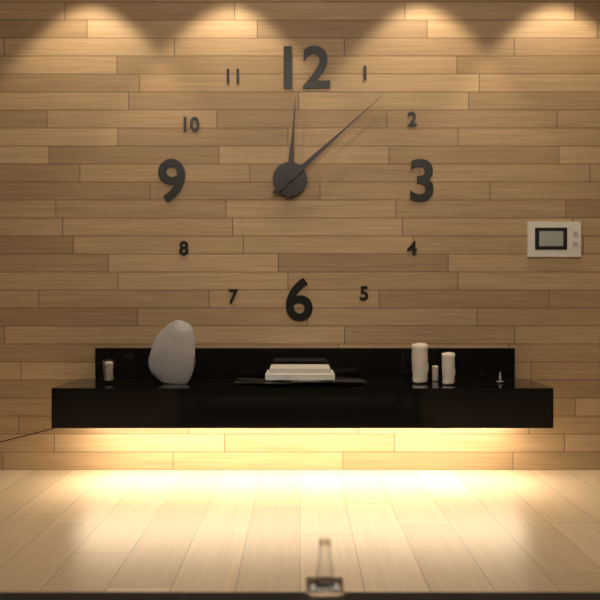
{"hour": 12, "minute": 8}
